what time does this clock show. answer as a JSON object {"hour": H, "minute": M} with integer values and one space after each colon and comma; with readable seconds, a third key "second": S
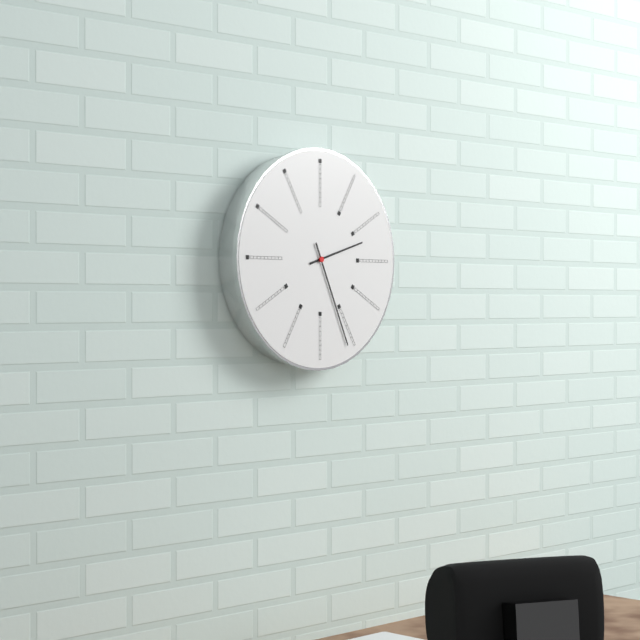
{"hour": 2, "minute": 26}
